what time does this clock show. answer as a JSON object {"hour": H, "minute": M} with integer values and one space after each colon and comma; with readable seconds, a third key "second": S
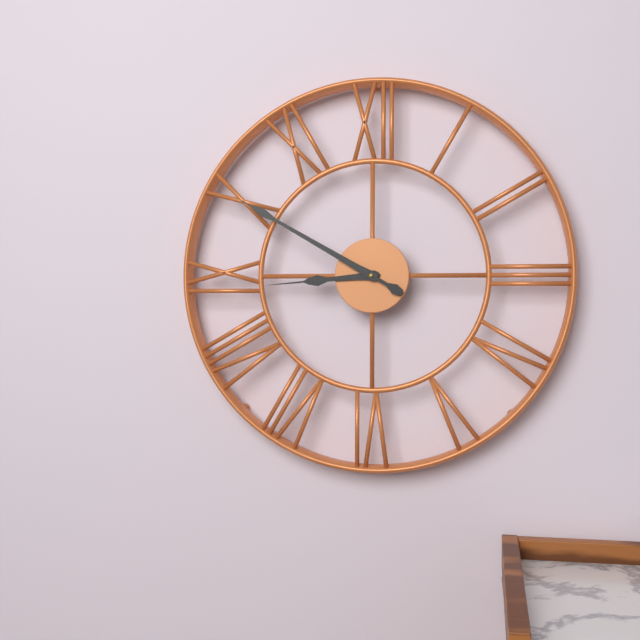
{"hour": 8, "minute": 50}
